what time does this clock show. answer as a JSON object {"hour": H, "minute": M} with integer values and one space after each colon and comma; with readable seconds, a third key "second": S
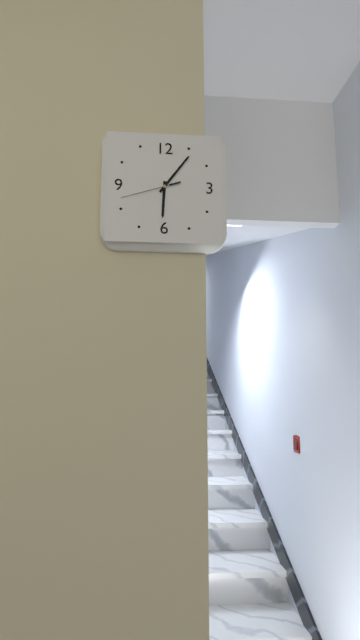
{"hour": 6, "minute": 6, "second": 42}
